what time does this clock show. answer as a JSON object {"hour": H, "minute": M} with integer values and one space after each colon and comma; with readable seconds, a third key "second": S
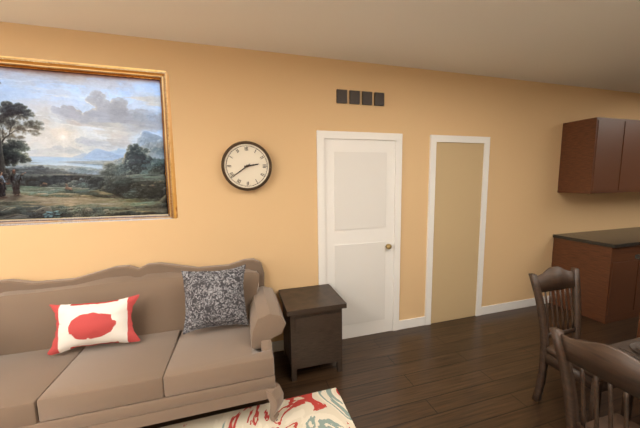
{"hour": 2, "minute": 39}
